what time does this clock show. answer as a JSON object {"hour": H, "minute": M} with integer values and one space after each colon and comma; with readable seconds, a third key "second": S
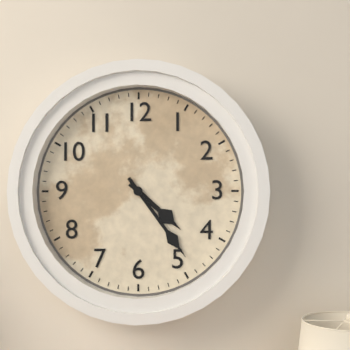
{"hour": 4, "minute": 24}
